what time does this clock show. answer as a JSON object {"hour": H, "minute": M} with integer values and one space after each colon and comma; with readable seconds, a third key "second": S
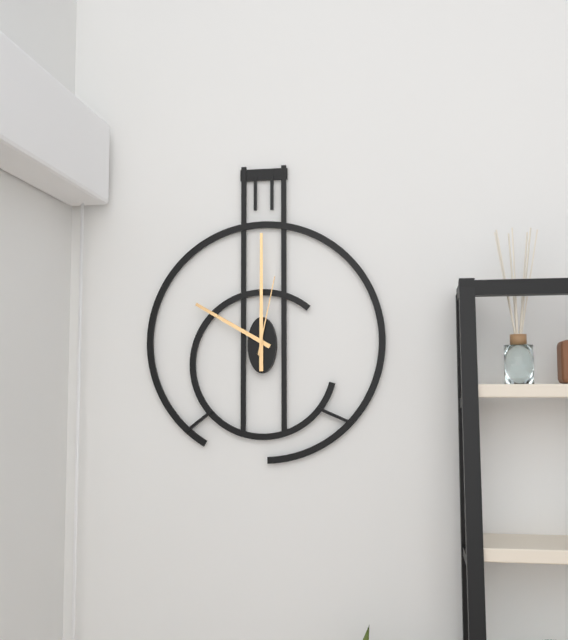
{"hour": 10, "minute": 0, "second": 2}
